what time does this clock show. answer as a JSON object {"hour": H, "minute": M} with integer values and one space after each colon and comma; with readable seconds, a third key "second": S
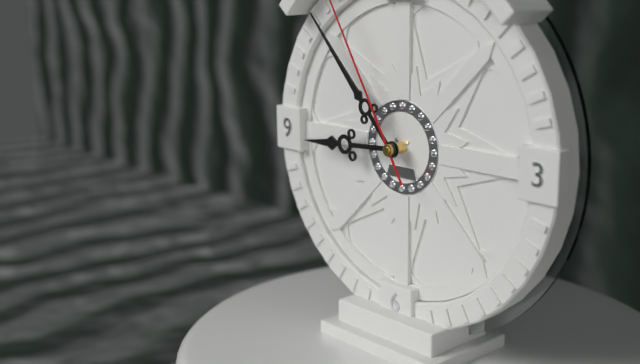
{"hour": 8, "minute": 53}
